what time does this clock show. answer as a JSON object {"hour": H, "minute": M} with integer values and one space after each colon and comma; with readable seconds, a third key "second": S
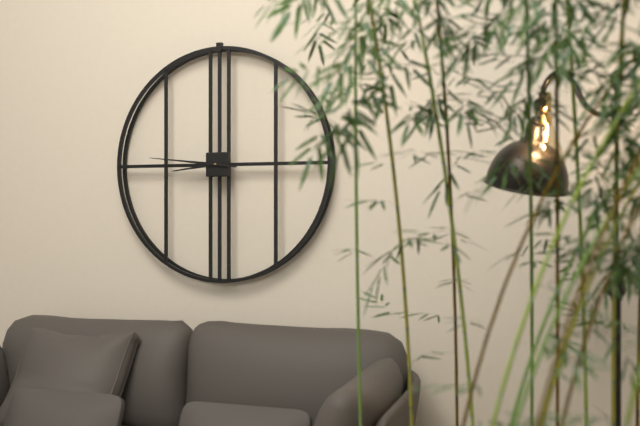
{"hour": 8, "minute": 46}
